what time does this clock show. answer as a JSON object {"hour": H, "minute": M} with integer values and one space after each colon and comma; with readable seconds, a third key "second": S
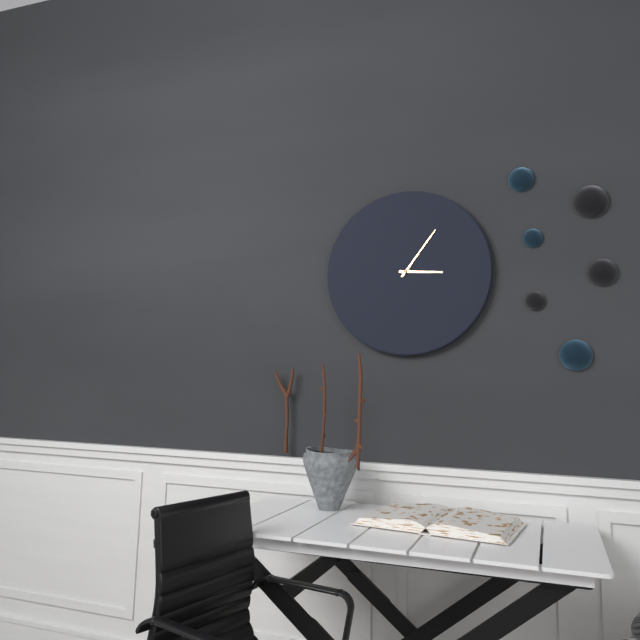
{"hour": 3, "minute": 6}
